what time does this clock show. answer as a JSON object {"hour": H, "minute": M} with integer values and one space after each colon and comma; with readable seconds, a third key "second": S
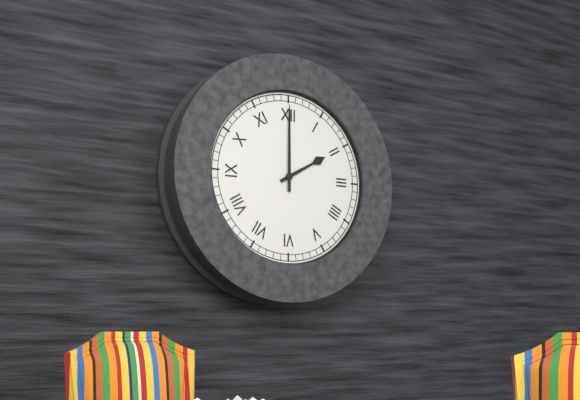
{"hour": 2, "minute": 0}
